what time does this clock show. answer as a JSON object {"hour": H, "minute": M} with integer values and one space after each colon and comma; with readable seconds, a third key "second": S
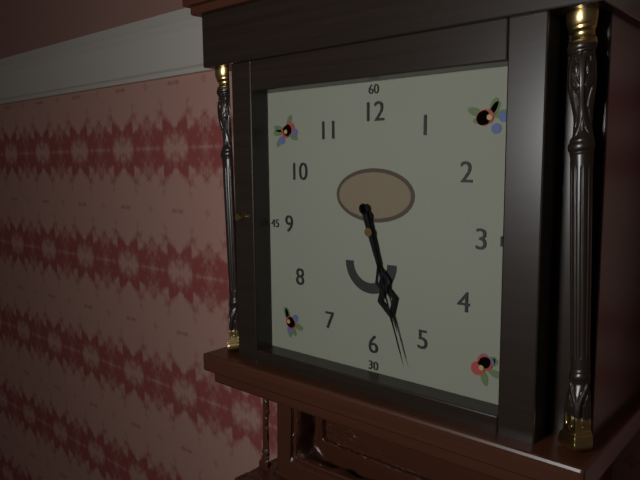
{"hour": 5, "minute": 27}
